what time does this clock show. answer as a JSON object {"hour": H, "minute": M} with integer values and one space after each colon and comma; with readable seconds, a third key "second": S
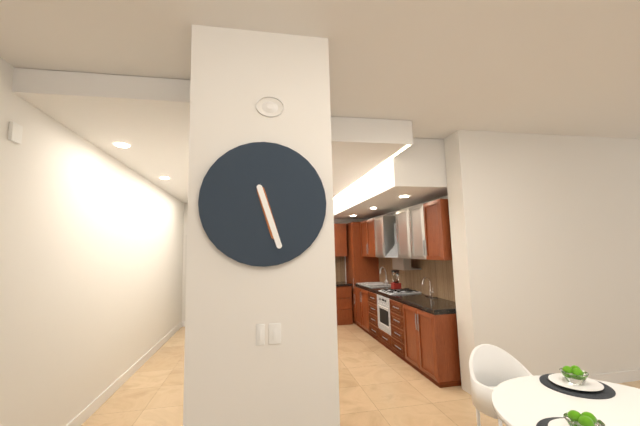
{"hour": 5, "minute": 27}
